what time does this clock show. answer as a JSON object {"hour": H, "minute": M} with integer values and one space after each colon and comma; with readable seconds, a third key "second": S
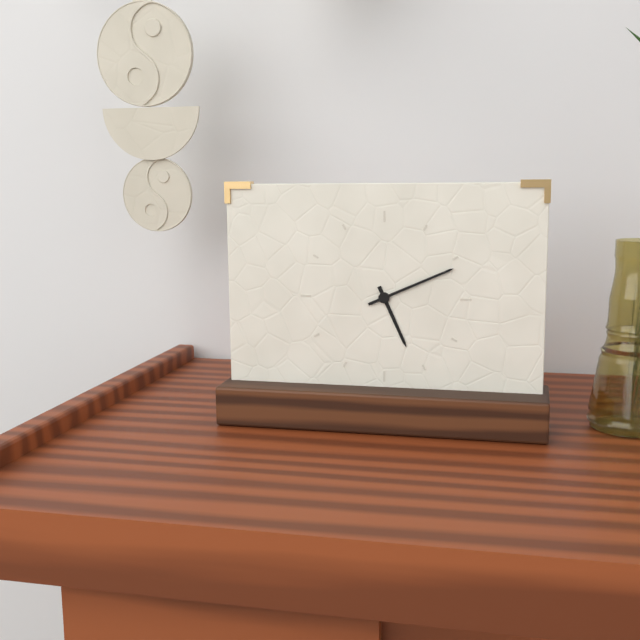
{"hour": 5, "minute": 11}
